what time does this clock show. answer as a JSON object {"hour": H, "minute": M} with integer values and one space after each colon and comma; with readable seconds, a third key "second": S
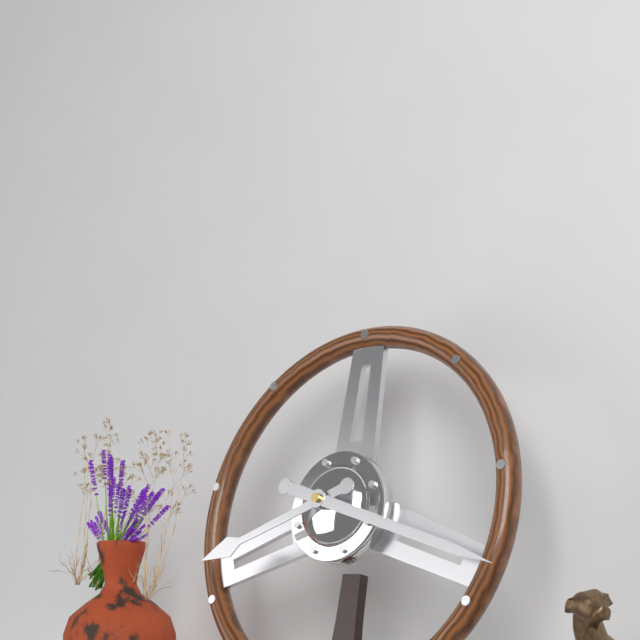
{"hour": 8, "minute": 18}
